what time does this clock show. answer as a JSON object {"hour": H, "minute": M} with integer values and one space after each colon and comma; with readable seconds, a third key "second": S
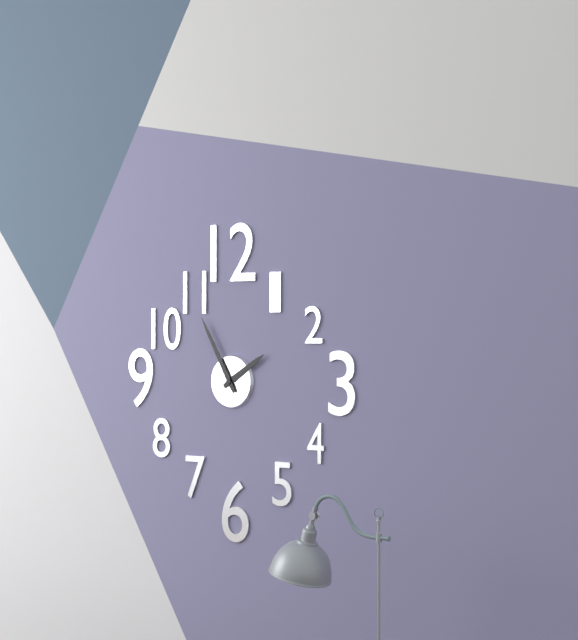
{"hour": 1, "minute": 55}
